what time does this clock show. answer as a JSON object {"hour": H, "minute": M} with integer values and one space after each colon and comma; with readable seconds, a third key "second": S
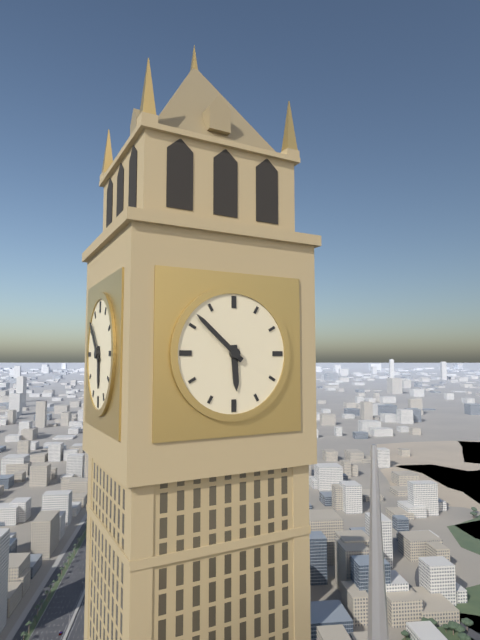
{"hour": 5, "minute": 52}
